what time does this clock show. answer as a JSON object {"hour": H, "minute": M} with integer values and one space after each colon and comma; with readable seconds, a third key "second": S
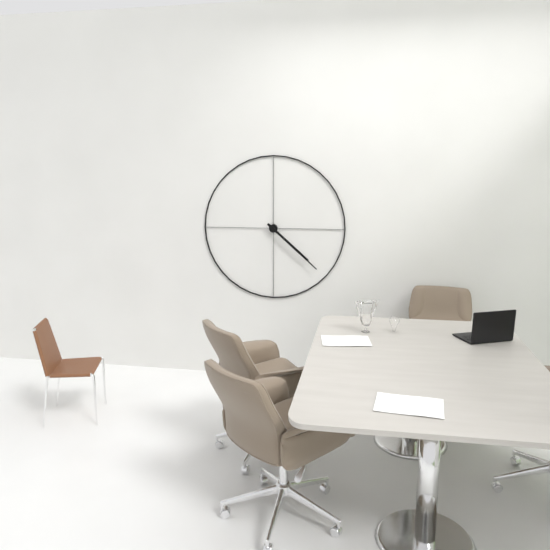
{"hour": 4, "minute": 22}
